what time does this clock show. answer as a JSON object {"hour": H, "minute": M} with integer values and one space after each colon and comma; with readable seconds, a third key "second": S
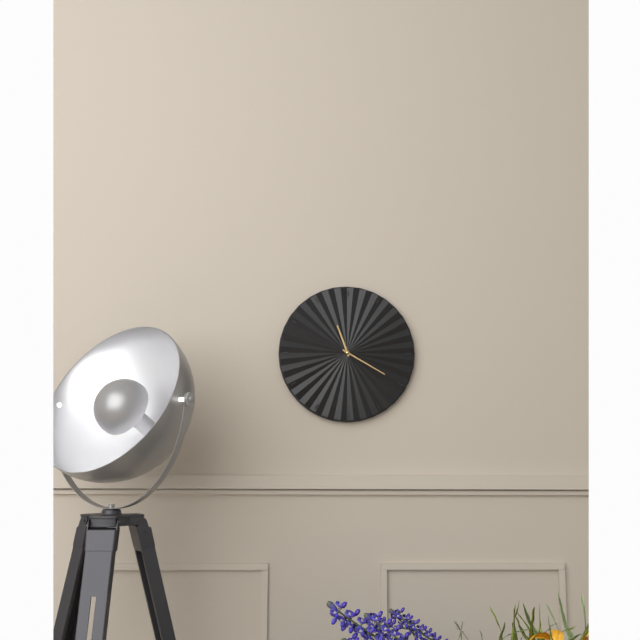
{"hour": 11, "minute": 20}
